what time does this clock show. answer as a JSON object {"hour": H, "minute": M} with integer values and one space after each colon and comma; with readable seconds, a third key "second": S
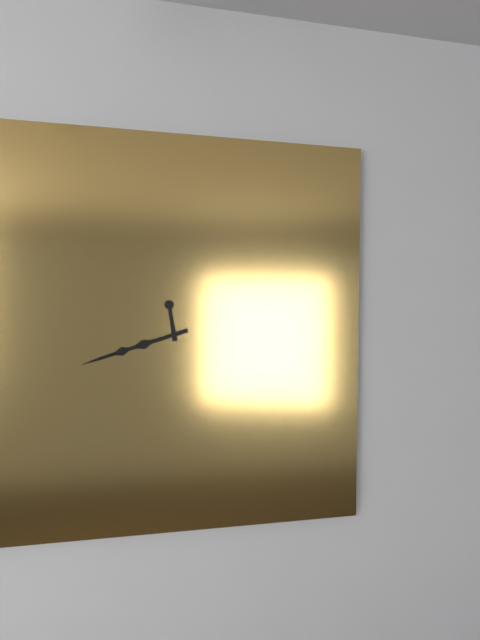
{"hour": 11, "minute": 42}
